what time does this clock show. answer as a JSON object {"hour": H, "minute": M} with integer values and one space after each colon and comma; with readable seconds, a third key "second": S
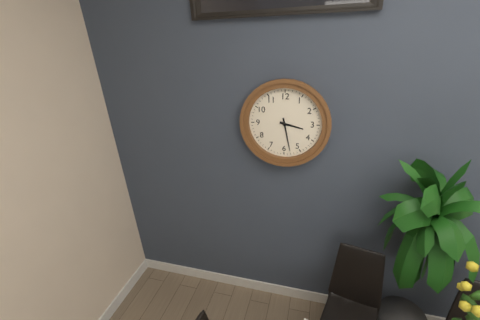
{"hour": 3, "minute": 28}
